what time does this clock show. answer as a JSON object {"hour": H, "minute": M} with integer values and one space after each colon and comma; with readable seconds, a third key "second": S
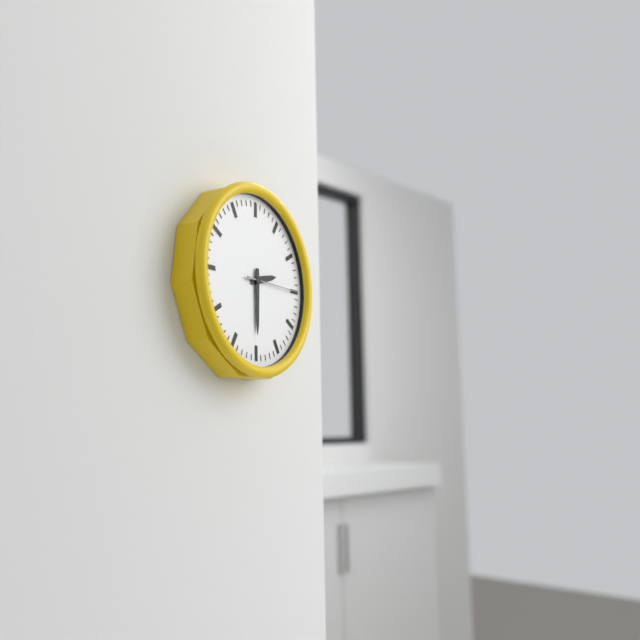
{"hour": 2, "minute": 30, "second": 15}
